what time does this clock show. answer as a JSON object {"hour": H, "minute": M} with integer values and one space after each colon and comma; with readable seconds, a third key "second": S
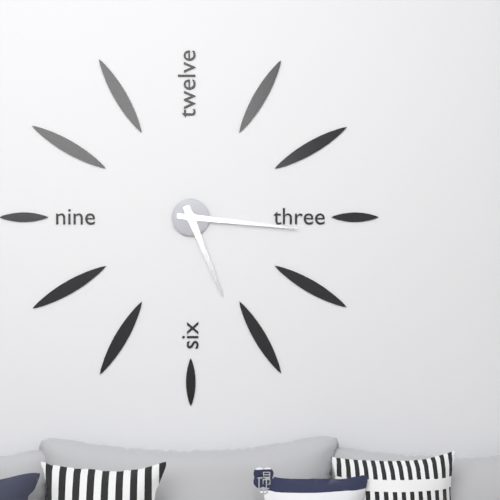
{"hour": 5, "minute": 16}
